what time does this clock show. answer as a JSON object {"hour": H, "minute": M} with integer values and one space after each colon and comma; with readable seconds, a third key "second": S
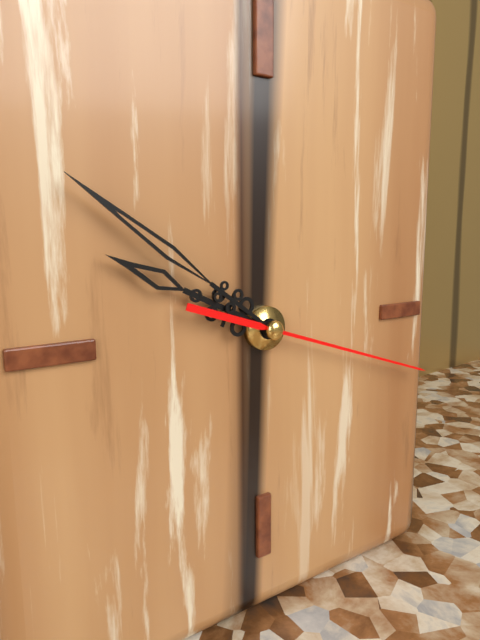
{"hour": 9, "minute": 51, "second": 18}
